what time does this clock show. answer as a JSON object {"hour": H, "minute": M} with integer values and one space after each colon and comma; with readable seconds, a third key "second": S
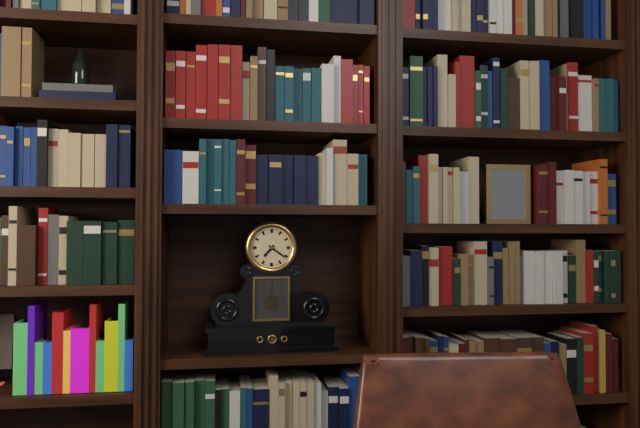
{"hour": 7, "minute": 21}
